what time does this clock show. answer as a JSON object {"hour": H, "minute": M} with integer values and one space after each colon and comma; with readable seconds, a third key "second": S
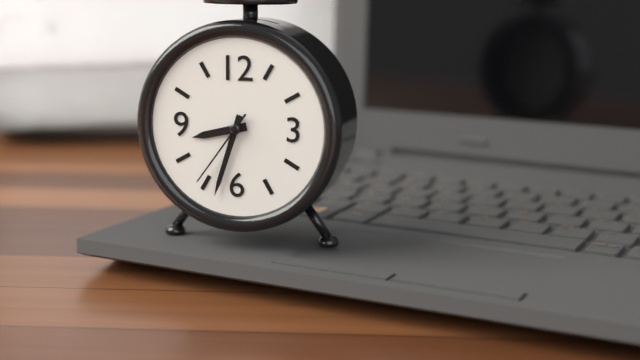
{"hour": 8, "minute": 33, "second": 36}
